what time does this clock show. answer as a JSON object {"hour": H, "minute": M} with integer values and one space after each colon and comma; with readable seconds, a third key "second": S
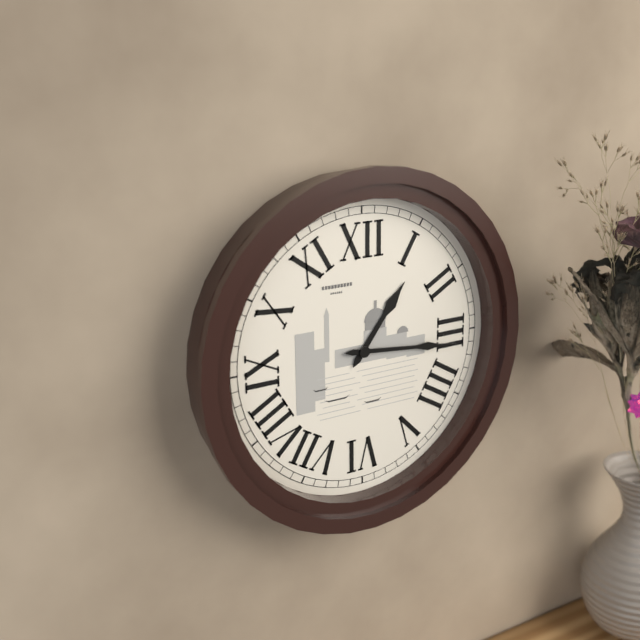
{"hour": 1, "minute": 16}
